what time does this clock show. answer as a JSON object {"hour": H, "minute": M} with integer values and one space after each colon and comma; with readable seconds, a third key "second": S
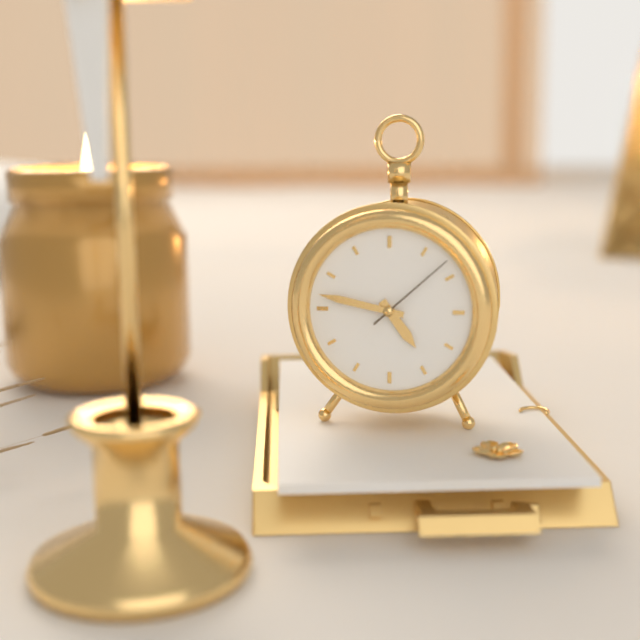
{"hour": 4, "minute": 47, "second": 8}
